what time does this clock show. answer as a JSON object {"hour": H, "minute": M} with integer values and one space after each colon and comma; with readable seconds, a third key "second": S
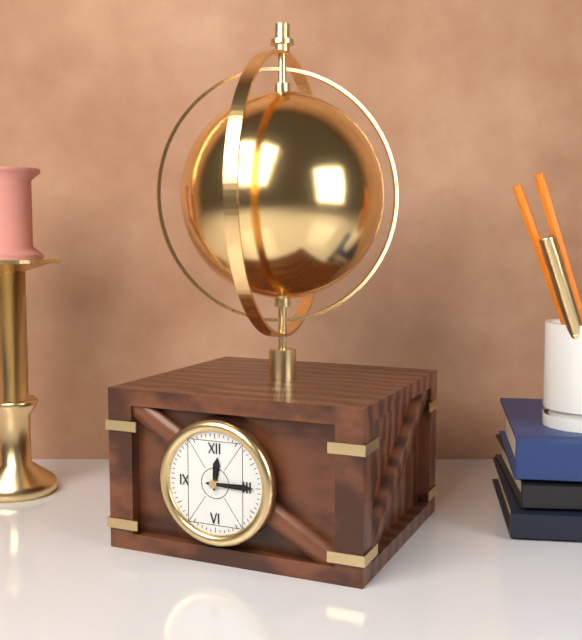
{"hour": 12, "minute": 15}
